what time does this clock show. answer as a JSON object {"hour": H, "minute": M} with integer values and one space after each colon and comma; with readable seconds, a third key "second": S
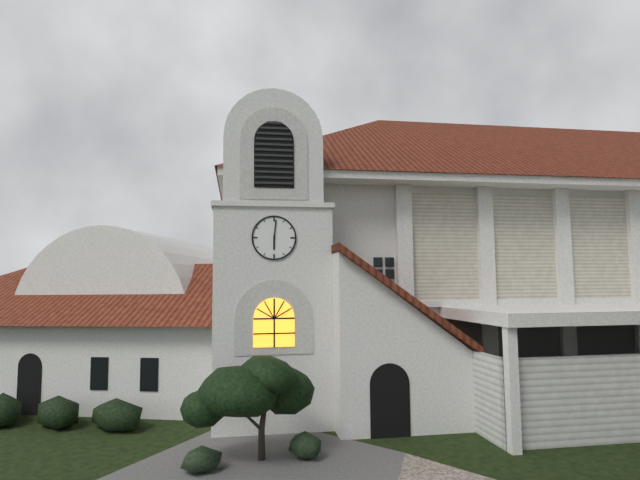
{"hour": 6, "minute": 1}
